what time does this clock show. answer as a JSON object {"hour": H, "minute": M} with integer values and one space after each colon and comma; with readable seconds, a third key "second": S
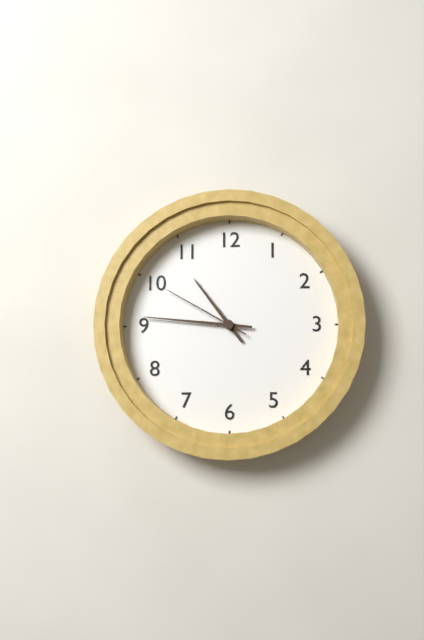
{"hour": 10, "minute": 46, "second": 50}
